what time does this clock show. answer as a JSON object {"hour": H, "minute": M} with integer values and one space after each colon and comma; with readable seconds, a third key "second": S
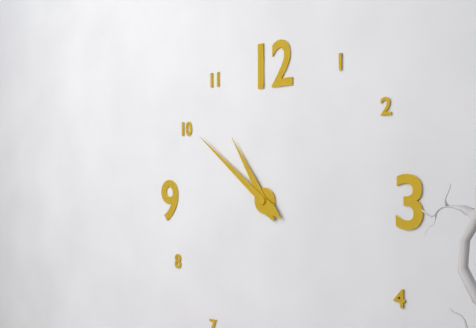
{"hour": 10, "minute": 51}
